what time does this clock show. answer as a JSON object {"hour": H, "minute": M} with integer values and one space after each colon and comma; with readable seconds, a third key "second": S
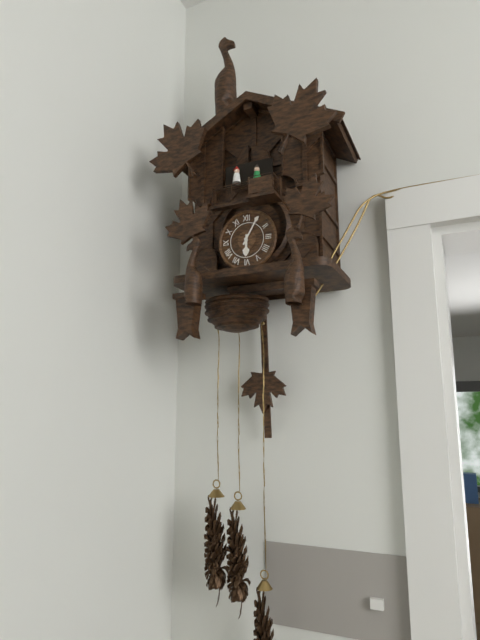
{"hour": 6, "minute": 5}
